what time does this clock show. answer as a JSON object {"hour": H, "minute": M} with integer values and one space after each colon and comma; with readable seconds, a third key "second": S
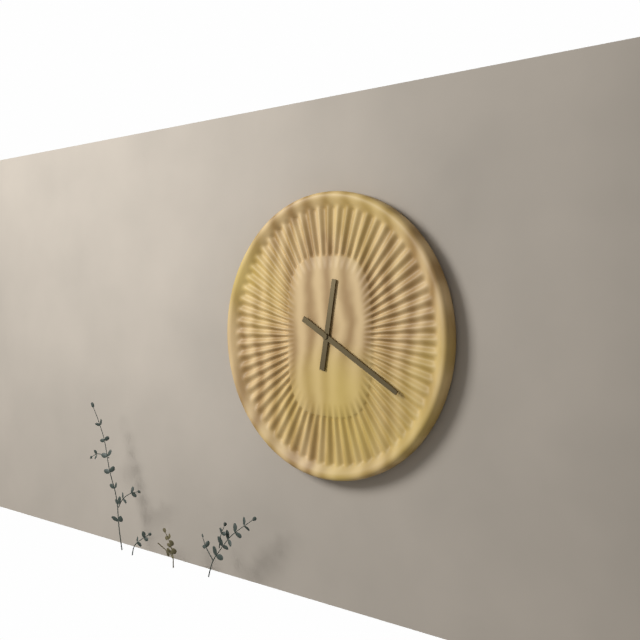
{"hour": 12, "minute": 20}
